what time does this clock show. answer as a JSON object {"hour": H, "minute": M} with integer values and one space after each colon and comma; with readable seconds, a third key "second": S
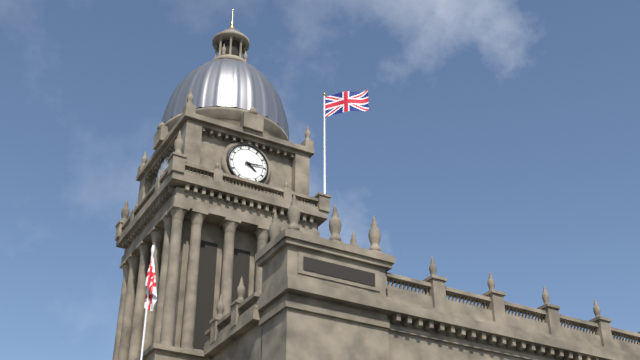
{"hour": 4, "minute": 14}
